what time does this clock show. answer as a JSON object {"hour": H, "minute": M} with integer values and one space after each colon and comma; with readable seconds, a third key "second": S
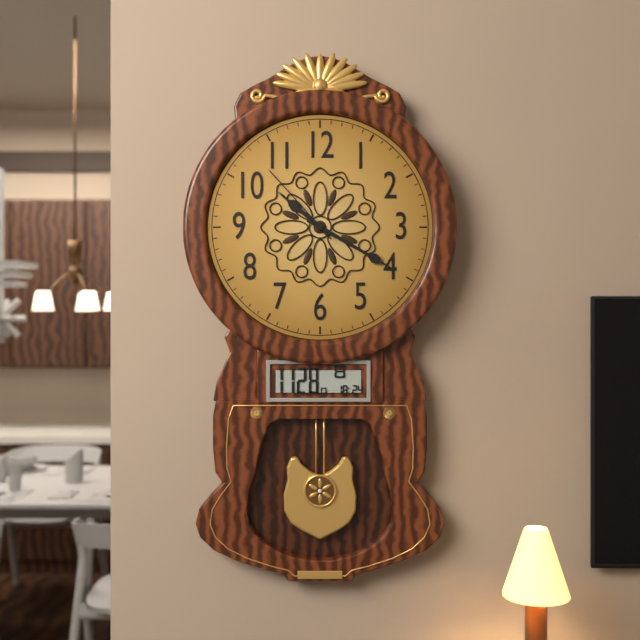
{"hour": 10, "minute": 20, "second": 53}
